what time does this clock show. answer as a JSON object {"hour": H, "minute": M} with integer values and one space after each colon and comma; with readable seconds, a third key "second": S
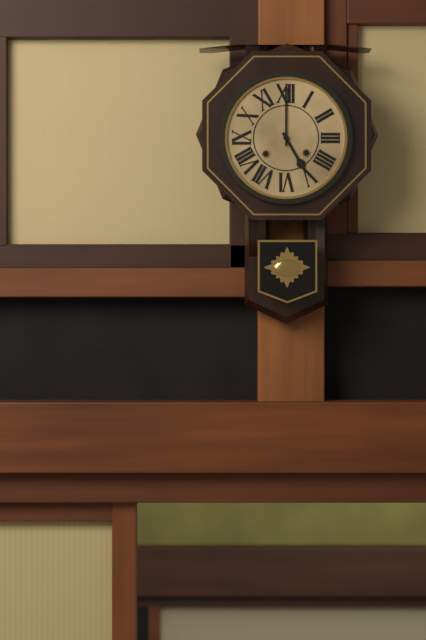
{"hour": 5, "minute": 0}
